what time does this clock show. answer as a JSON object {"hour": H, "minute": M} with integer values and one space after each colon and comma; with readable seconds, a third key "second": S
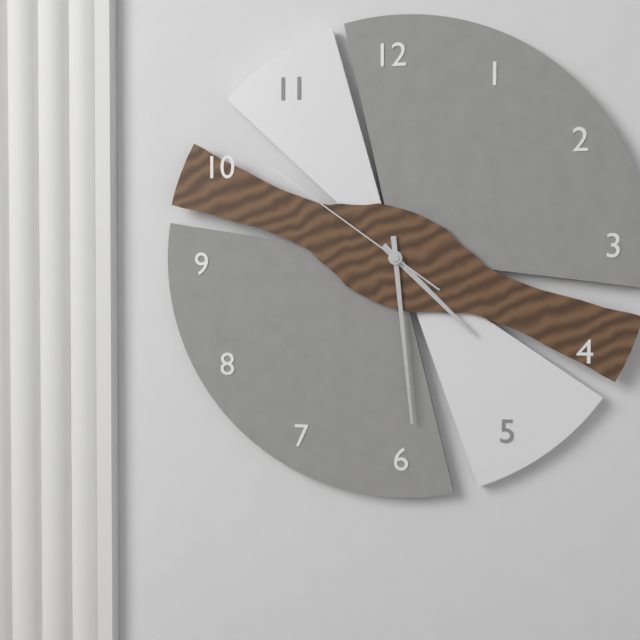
{"hour": 4, "minute": 29, "second": 51}
